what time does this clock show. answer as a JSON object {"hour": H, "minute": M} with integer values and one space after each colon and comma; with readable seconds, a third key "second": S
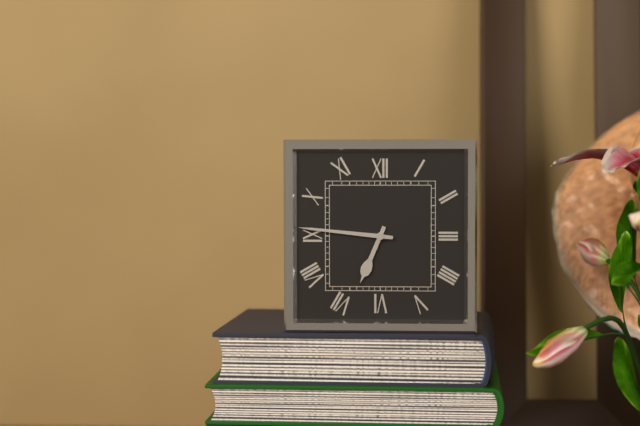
{"hour": 6, "minute": 46}
